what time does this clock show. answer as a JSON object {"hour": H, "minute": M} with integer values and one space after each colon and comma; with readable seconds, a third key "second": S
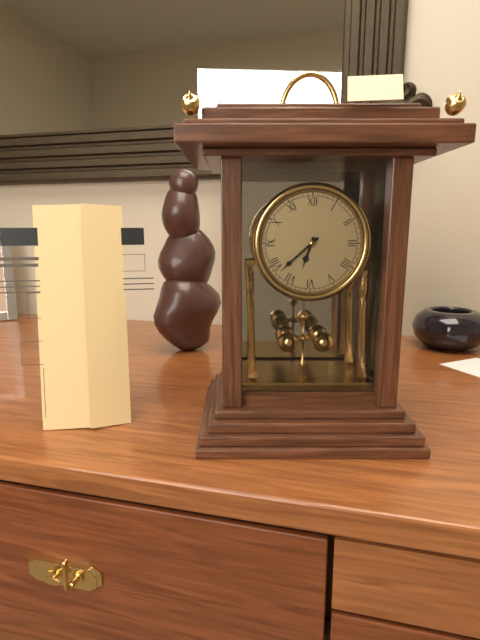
{"hour": 6, "minute": 38}
